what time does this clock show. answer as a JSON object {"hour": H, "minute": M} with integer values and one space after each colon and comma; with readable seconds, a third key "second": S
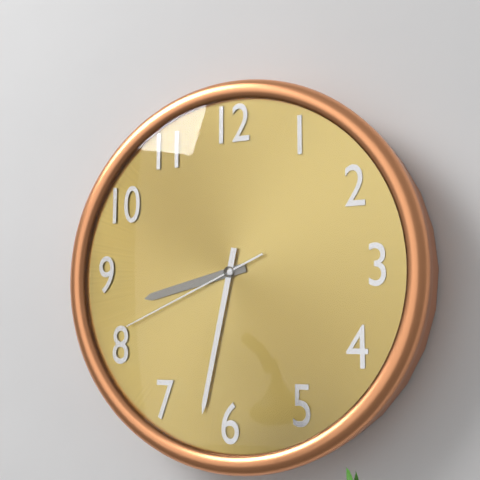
{"hour": 8, "minute": 32, "second": 41}
